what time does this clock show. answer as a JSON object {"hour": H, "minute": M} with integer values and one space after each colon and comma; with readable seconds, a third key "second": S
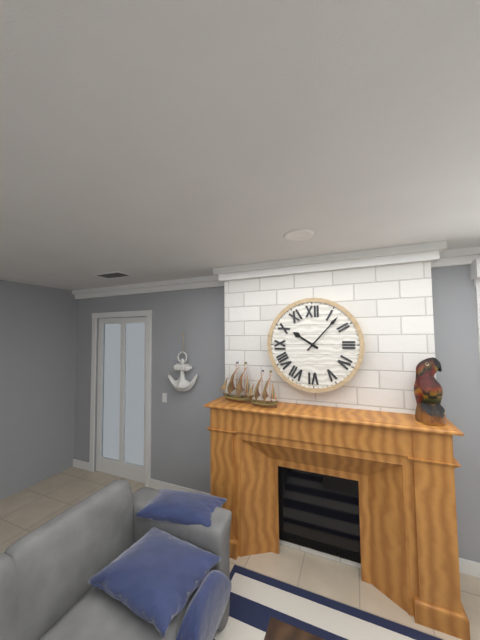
{"hour": 10, "minute": 7}
